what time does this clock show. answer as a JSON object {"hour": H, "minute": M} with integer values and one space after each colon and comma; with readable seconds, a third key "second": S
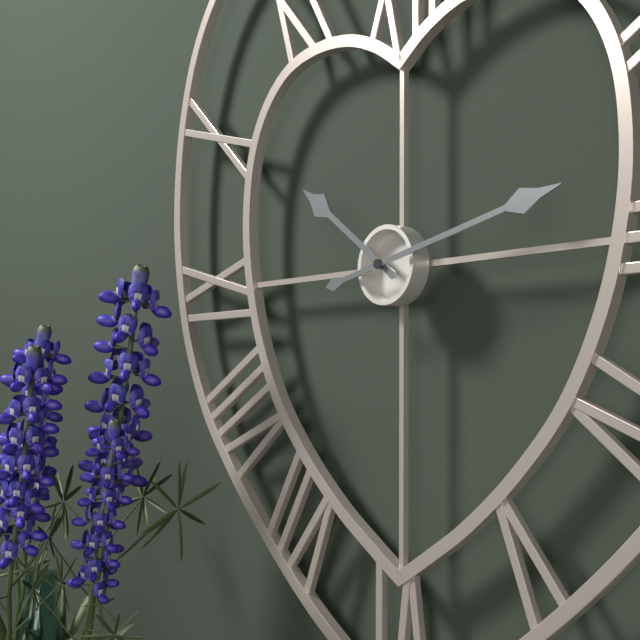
{"hour": 10, "minute": 13}
